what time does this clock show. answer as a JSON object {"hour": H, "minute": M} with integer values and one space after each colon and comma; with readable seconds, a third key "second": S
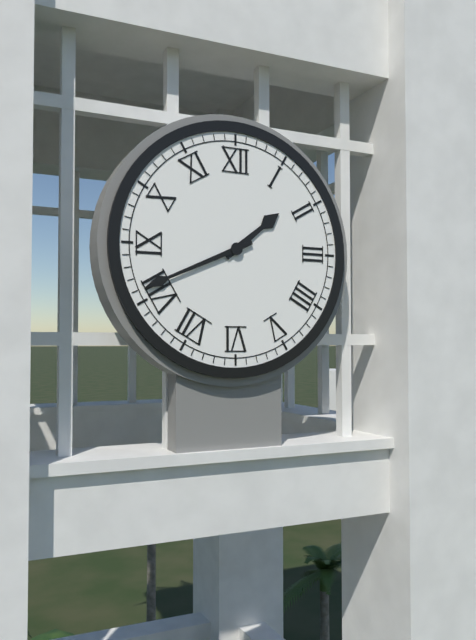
{"hour": 1, "minute": 41}
